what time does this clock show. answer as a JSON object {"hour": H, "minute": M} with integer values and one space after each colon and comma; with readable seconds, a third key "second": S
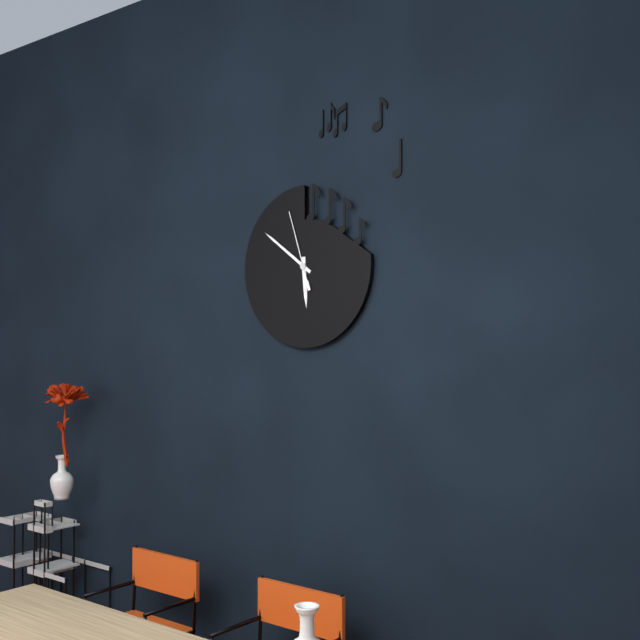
{"hour": 5, "minute": 51, "second": 57}
